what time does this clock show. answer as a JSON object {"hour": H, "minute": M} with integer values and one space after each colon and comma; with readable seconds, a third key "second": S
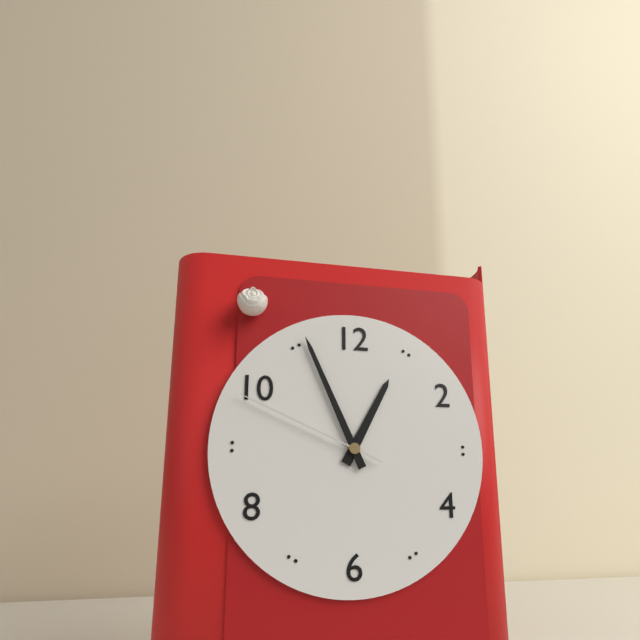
{"hour": 12, "minute": 56, "second": 49}
